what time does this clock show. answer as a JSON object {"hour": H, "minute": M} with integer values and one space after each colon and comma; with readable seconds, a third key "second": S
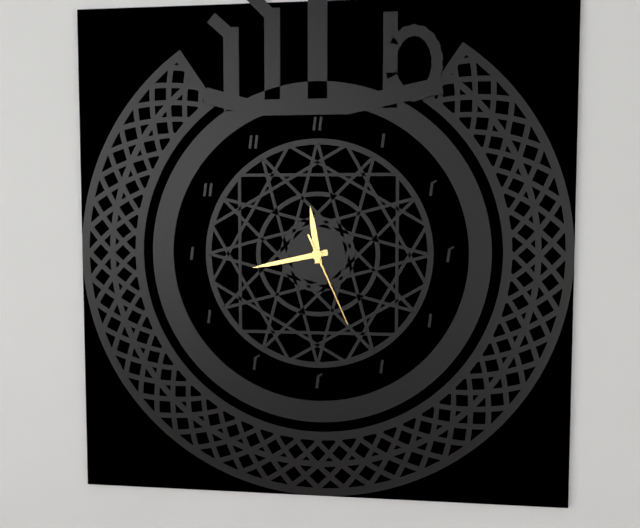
{"hour": 11, "minute": 43, "second": 26}
